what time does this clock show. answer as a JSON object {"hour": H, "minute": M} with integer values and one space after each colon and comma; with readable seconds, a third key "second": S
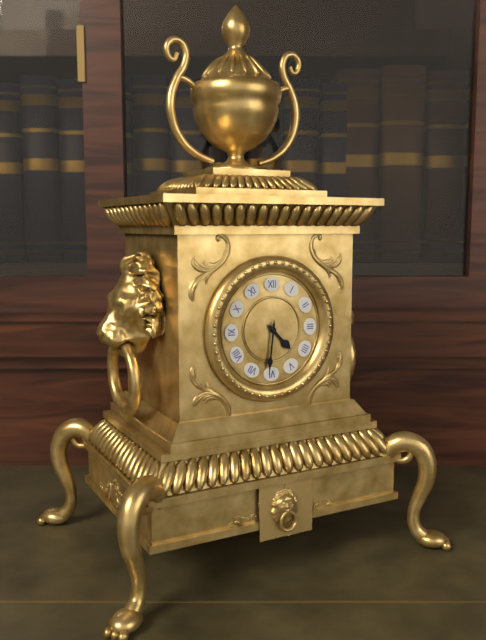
{"hour": 4, "minute": 31}
